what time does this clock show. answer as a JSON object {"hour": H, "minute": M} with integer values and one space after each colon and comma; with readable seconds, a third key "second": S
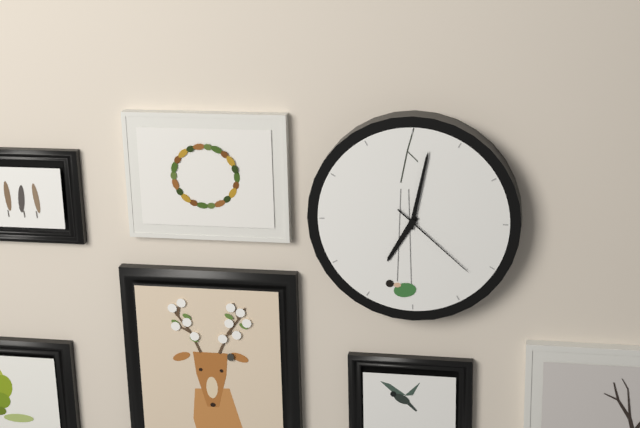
{"hour": 7, "minute": 2, "second": 22}
